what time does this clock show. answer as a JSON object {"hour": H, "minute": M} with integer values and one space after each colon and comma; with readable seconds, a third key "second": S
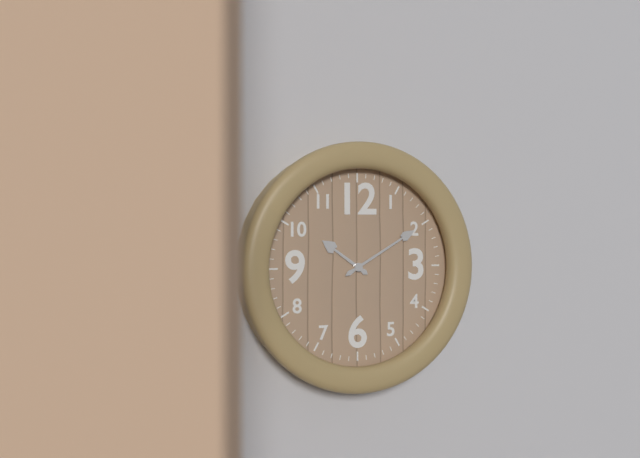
{"hour": 10, "minute": 10}
